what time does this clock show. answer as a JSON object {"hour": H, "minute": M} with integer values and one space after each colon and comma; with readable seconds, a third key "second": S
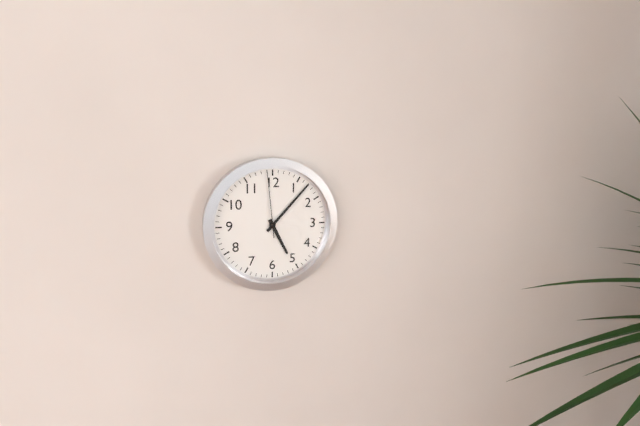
{"hour": 5, "minute": 7, "second": 59}
